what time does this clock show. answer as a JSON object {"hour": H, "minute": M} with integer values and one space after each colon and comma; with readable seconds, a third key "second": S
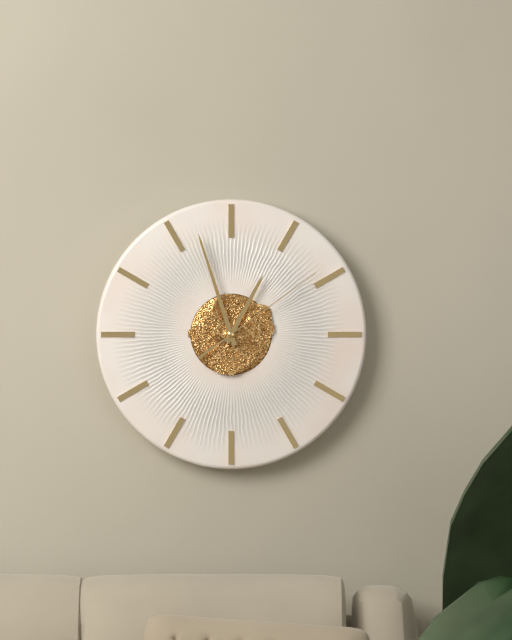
{"hour": 12, "minute": 57, "second": 9}
